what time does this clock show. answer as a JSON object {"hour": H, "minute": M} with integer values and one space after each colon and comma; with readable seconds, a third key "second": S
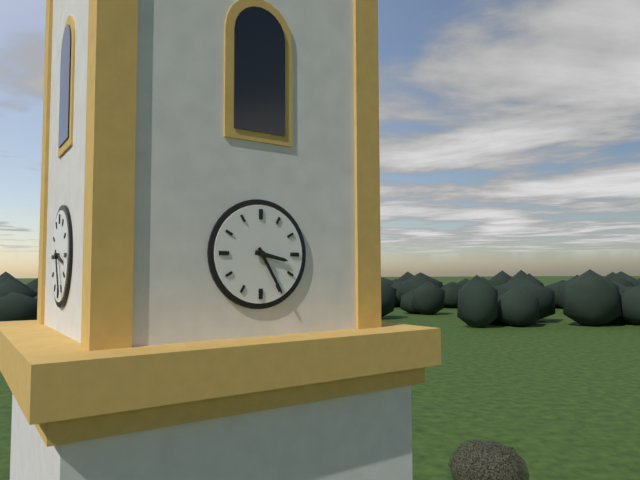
{"hour": 3, "minute": 25}
